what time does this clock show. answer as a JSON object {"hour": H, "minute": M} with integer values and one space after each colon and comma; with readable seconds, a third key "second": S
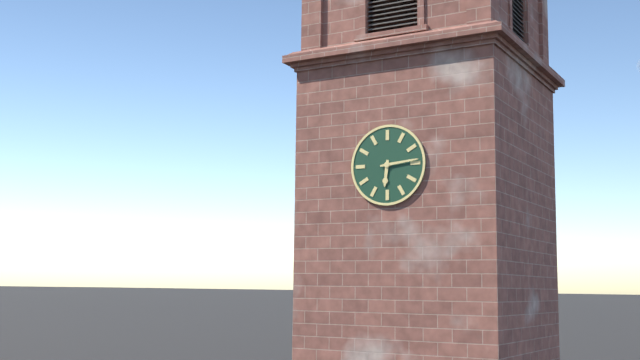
{"hour": 6, "minute": 14}
